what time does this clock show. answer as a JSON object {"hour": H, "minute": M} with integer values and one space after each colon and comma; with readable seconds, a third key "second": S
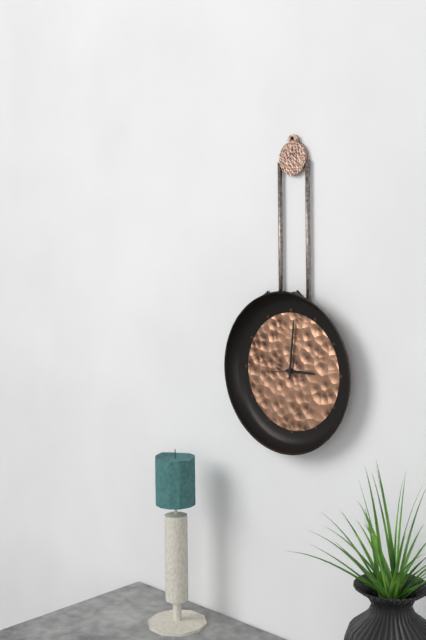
{"hour": 3, "minute": 1}
